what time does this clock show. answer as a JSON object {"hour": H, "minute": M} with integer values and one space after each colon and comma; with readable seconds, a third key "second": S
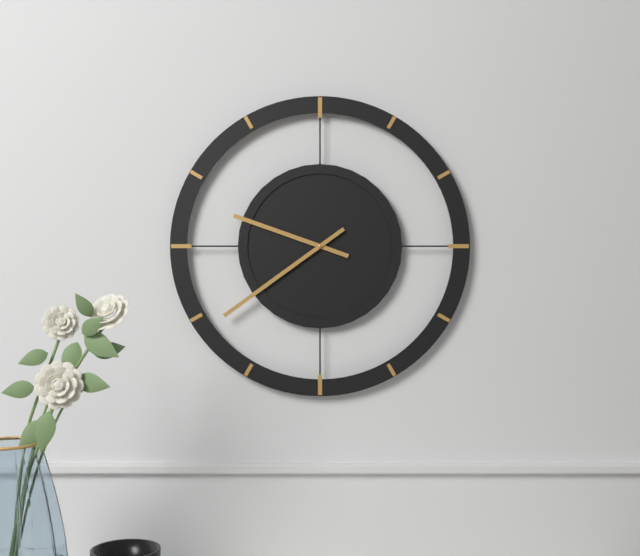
{"hour": 9, "minute": 39}
